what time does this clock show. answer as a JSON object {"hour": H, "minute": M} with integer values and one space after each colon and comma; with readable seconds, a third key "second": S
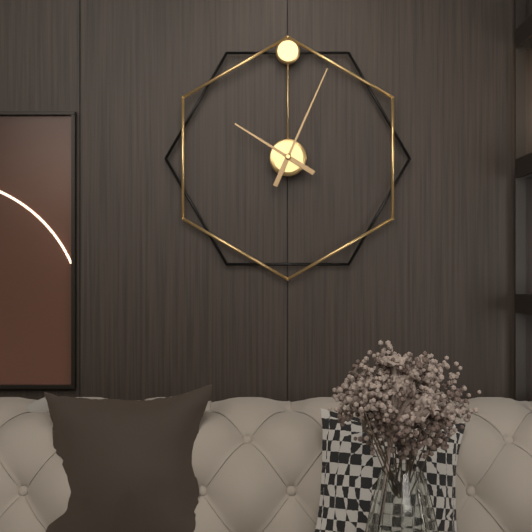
{"hour": 10, "minute": 4}
